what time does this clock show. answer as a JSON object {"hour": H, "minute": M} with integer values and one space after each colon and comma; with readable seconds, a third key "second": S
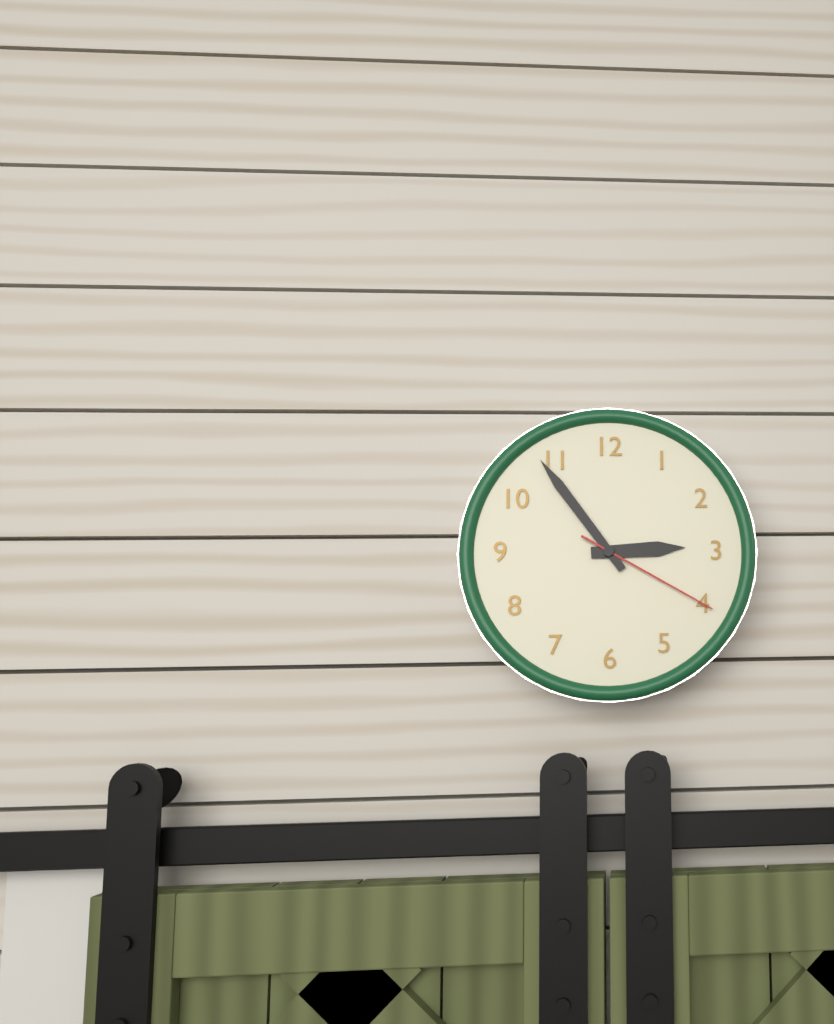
{"hour": 2, "minute": 54, "second": 20}
